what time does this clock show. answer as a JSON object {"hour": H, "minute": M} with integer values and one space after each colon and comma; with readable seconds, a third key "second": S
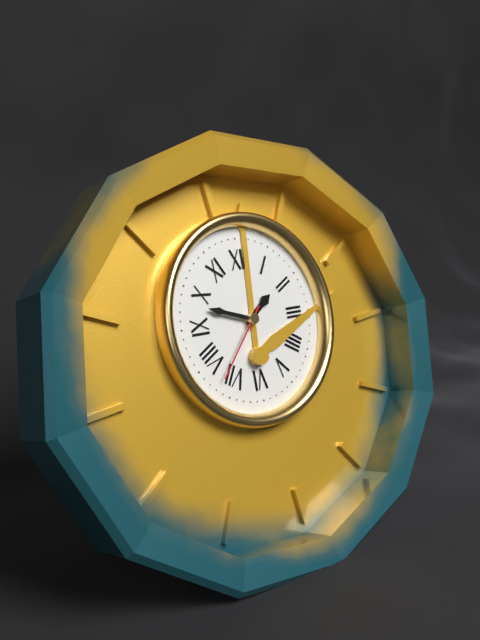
{"hour": 1, "minute": 48, "second": 37}
